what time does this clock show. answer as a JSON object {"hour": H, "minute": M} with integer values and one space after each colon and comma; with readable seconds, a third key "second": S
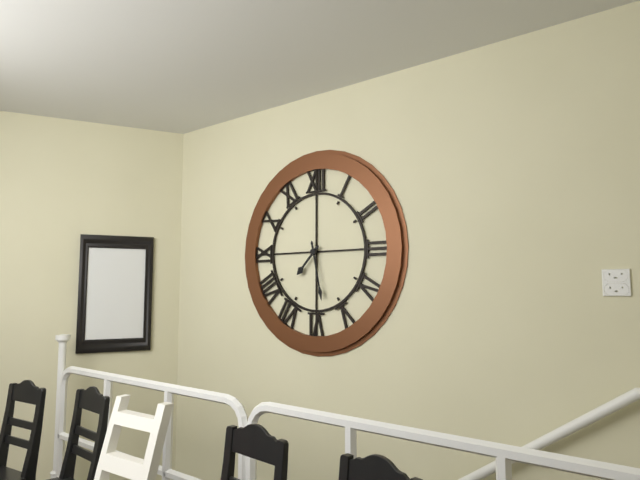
{"hour": 7, "minute": 28}
